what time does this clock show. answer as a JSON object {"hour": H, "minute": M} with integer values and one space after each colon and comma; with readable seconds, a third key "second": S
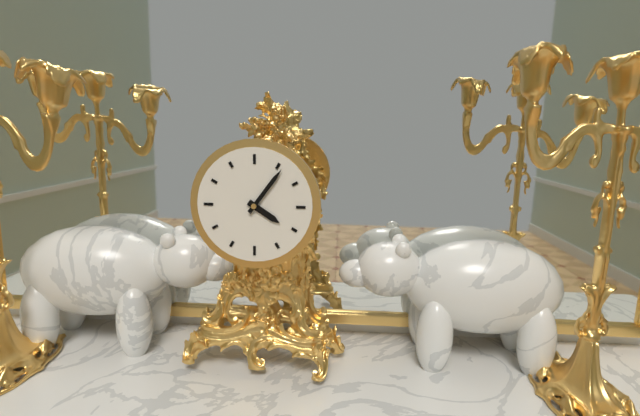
{"hour": 4, "minute": 6}
